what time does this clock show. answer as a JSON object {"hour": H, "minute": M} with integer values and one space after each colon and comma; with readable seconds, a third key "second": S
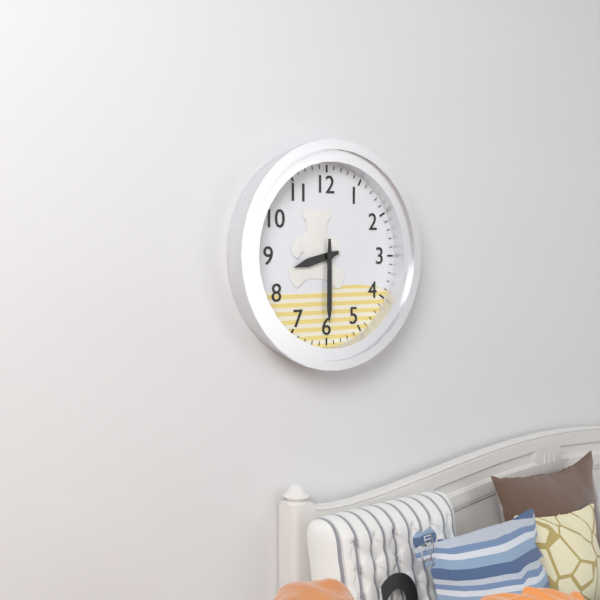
{"hour": 8, "minute": 30}
